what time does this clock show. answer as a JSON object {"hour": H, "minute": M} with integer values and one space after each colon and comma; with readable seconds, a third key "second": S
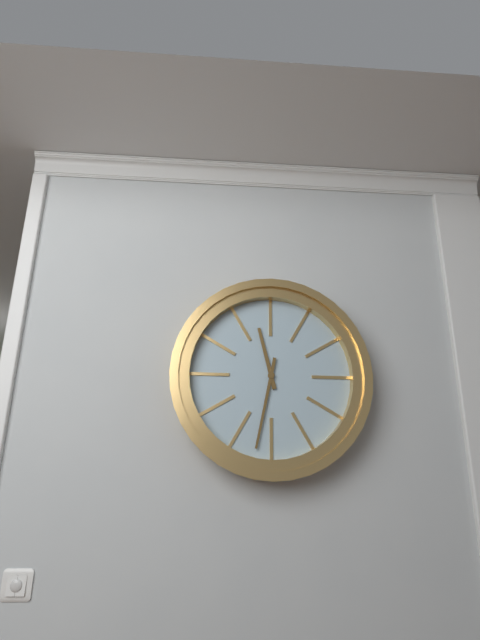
{"hour": 11, "minute": 32}
